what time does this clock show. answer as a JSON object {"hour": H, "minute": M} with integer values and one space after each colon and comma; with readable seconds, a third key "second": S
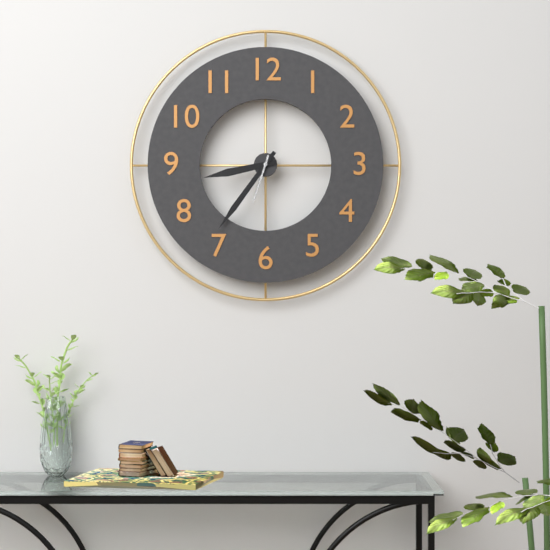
{"hour": 8, "minute": 36, "second": 33}
